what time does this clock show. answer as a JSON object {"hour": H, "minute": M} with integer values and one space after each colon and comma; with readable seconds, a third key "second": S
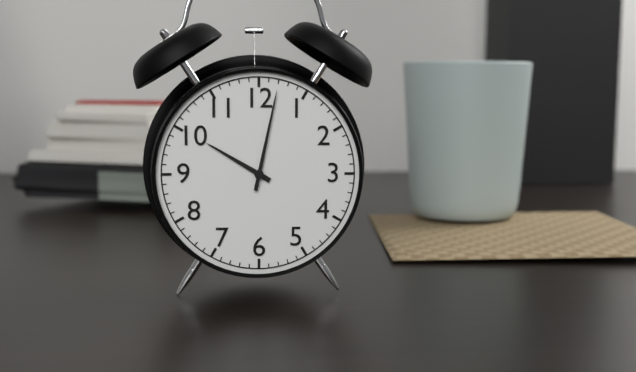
{"hour": 10, "minute": 2}
